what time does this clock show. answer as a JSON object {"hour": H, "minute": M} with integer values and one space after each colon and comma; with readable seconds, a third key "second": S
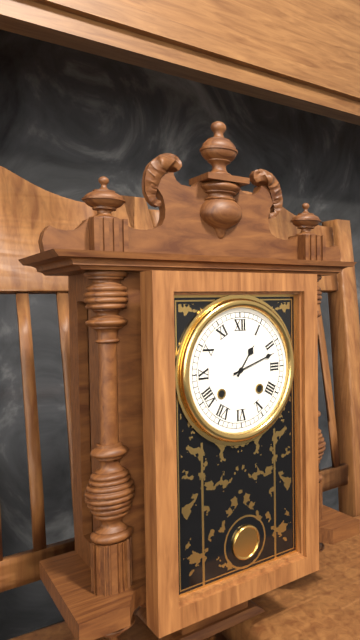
{"hour": 1, "minute": 12}
